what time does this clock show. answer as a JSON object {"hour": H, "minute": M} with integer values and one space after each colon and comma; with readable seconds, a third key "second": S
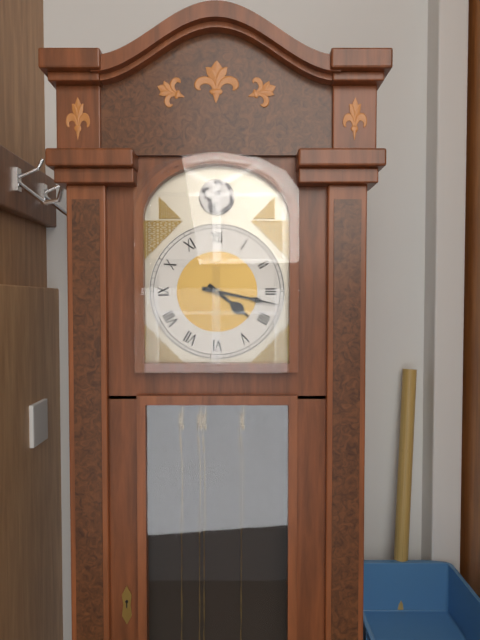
{"hour": 4, "minute": 17}
